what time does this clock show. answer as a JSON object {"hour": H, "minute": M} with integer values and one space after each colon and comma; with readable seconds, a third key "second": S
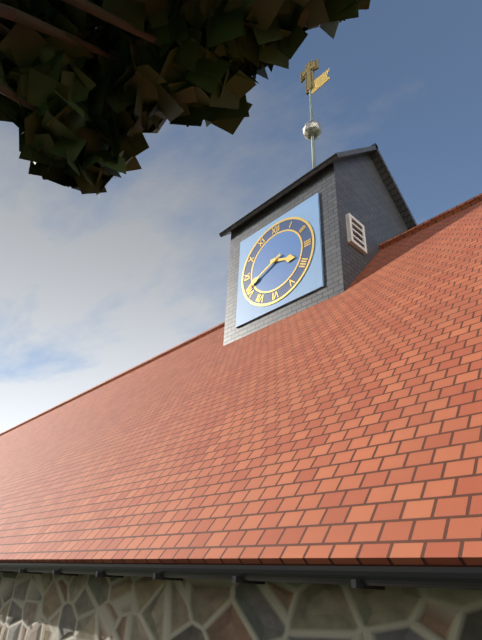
{"hour": 3, "minute": 41}
